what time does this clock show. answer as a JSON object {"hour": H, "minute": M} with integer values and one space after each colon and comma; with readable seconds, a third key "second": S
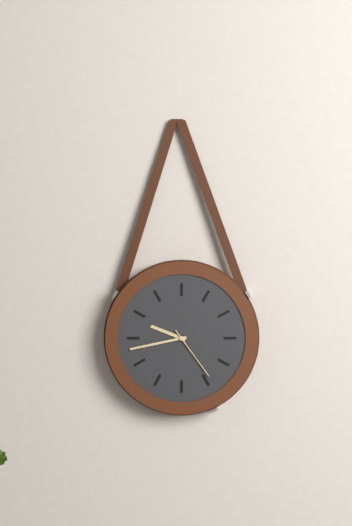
{"hour": 9, "minute": 43, "second": 24}
